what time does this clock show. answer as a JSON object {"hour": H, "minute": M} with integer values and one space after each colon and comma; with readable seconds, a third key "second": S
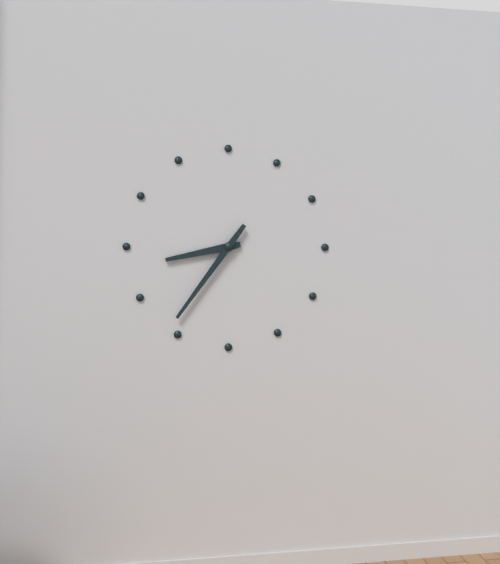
{"hour": 8, "minute": 36}
